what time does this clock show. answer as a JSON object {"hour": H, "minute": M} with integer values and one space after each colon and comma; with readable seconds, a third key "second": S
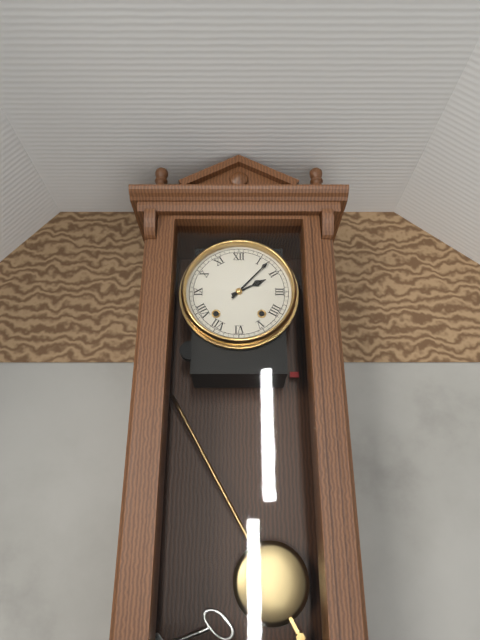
{"hour": 2, "minute": 7}
